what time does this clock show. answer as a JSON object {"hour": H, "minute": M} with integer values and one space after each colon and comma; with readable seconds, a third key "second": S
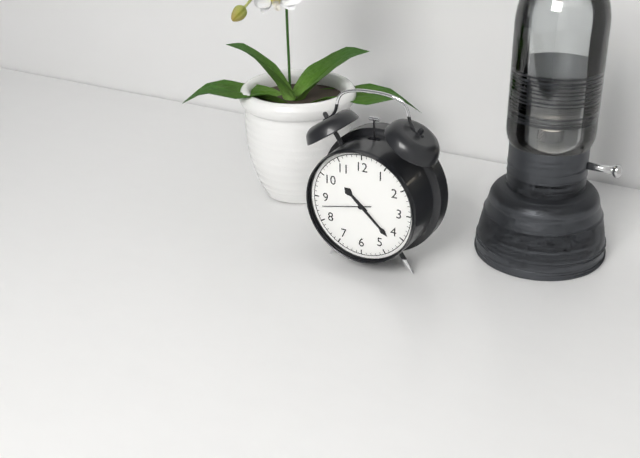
{"hour": 10, "minute": 22}
